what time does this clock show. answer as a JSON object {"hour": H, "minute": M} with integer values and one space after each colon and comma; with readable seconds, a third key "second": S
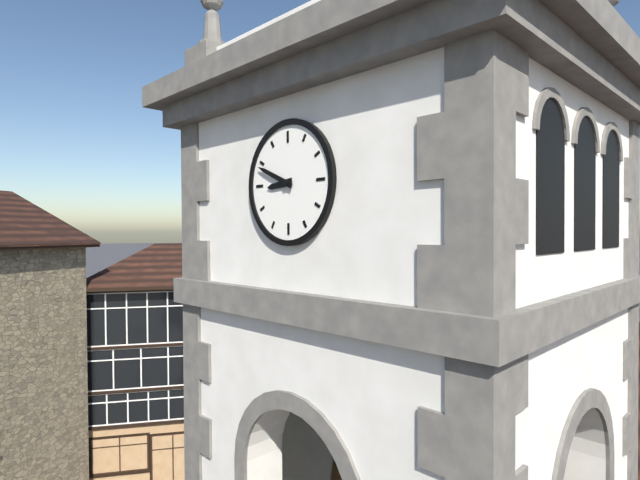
{"hour": 8, "minute": 49}
